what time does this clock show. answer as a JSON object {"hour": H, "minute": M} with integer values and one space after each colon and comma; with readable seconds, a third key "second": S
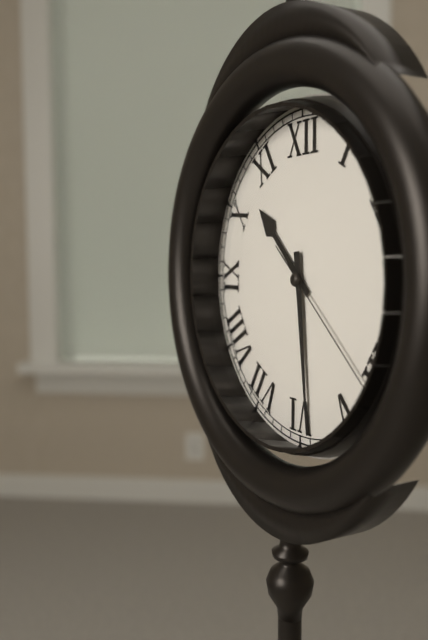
{"hour": 10, "minute": 29, "second": 22}
